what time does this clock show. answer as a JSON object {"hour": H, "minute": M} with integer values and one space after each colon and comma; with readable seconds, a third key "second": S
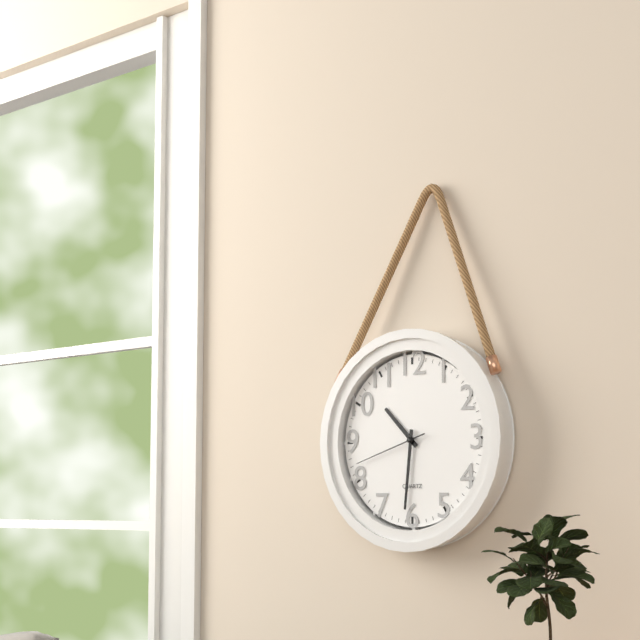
{"hour": 10, "minute": 31, "second": 42}
